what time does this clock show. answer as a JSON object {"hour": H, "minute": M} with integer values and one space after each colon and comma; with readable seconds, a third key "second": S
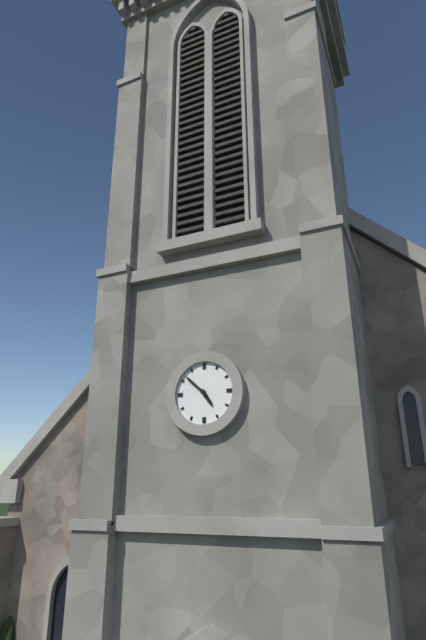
{"hour": 4, "minute": 52}
